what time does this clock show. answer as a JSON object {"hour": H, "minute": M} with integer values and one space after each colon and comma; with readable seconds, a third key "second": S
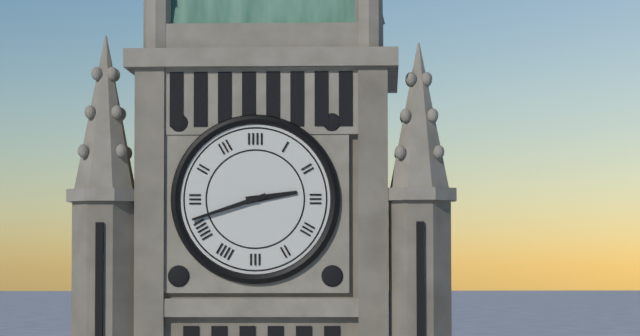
{"hour": 2, "minute": 42}
